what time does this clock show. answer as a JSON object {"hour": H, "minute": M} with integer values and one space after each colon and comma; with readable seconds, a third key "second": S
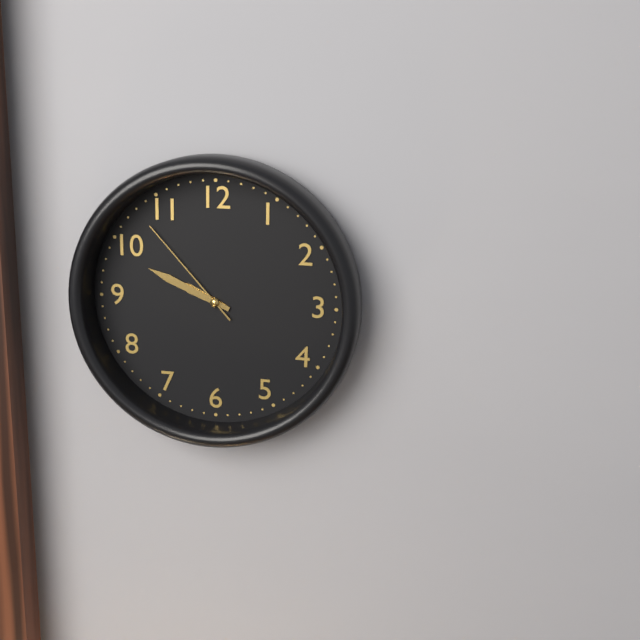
{"hour": 9, "minute": 49, "second": 53}
